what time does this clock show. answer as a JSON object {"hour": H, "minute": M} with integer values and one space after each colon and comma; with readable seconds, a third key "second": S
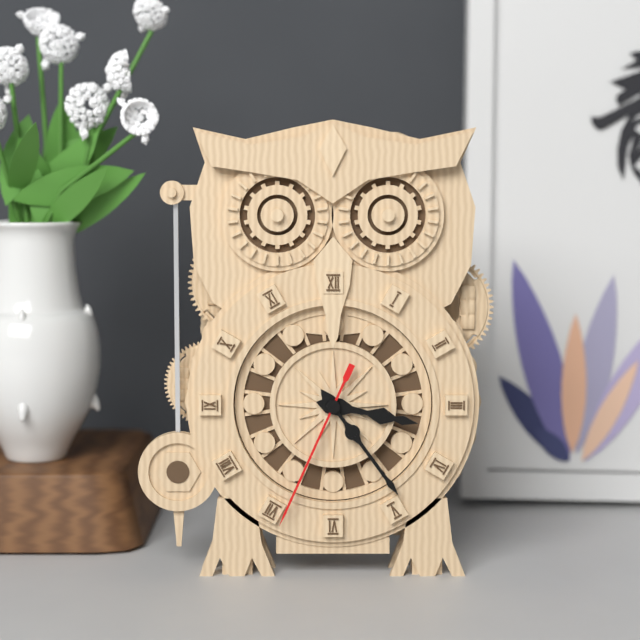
{"hour": 3, "minute": 24, "second": 34}
